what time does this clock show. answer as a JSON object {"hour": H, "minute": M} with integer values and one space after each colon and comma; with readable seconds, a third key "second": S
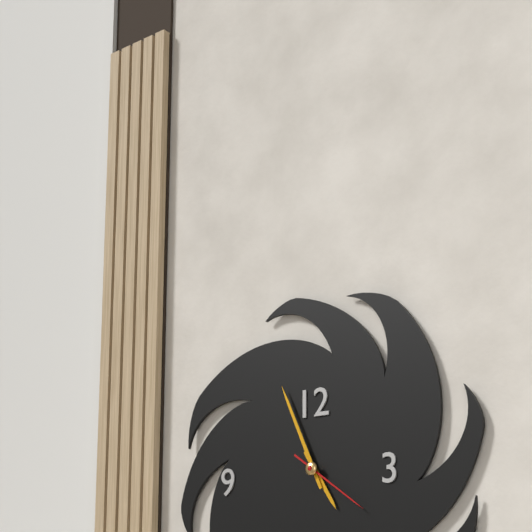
{"hour": 4, "minute": 56, "second": 21}
